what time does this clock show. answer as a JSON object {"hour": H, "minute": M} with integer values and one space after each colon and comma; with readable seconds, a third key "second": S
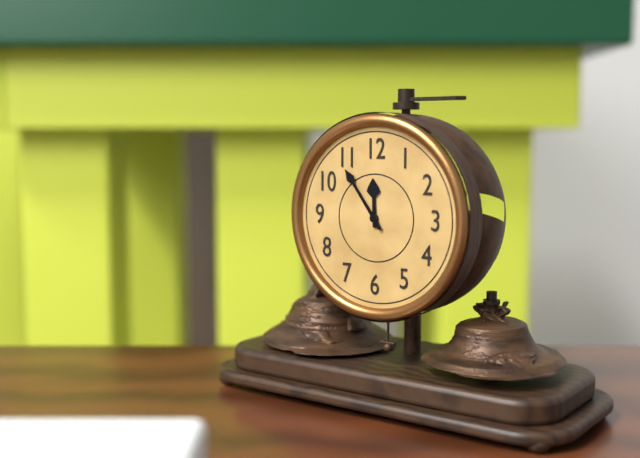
{"hour": 11, "minute": 54}
